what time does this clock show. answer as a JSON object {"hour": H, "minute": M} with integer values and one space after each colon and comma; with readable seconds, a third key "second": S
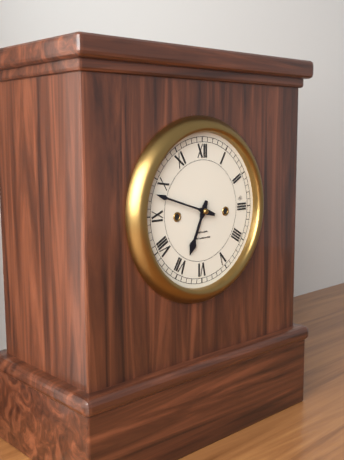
{"hour": 6, "minute": 48}
